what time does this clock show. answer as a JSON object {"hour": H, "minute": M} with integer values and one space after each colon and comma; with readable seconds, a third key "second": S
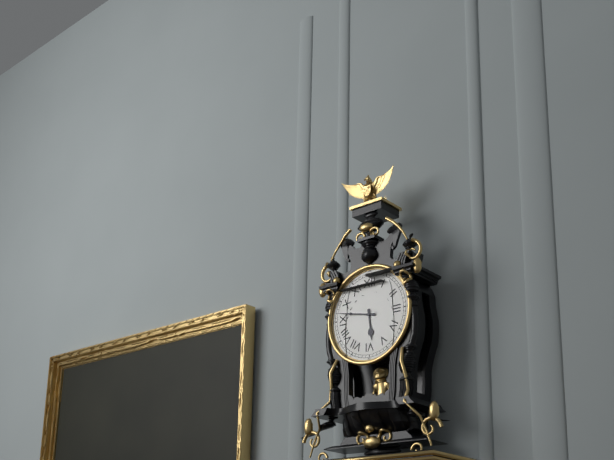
{"hour": 5, "minute": 47}
